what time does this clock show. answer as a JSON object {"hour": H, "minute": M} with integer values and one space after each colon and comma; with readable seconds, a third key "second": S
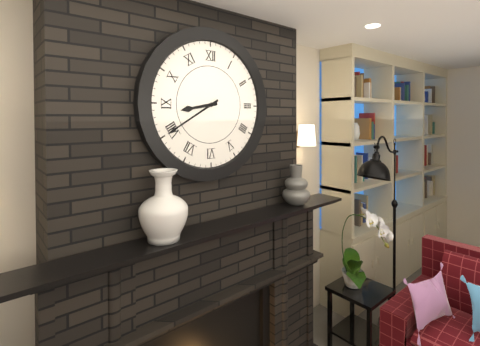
{"hour": 8, "minute": 40}
